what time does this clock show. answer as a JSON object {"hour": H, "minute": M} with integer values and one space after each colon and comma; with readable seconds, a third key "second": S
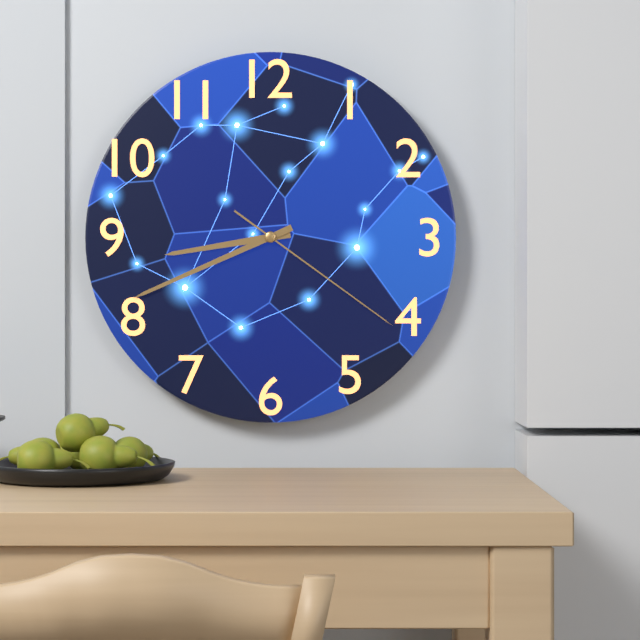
{"hour": 8, "minute": 41, "second": 21}
